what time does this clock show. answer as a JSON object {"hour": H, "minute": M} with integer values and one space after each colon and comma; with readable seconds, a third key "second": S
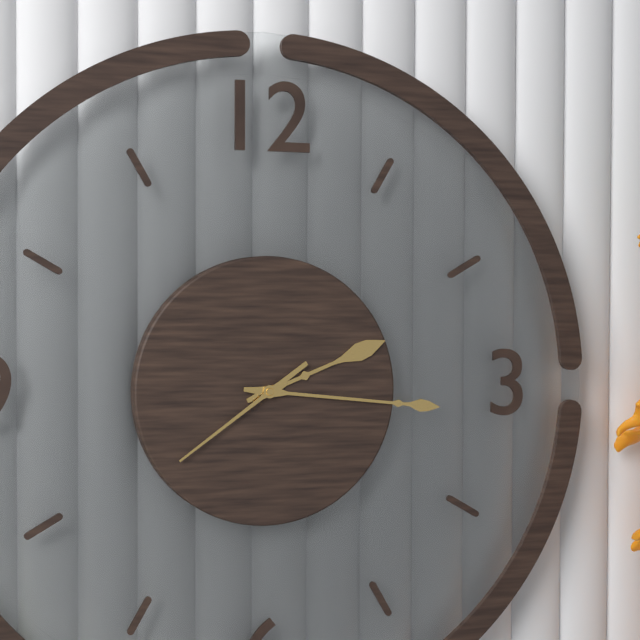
{"hour": 2, "minute": 16, "second": 39}
